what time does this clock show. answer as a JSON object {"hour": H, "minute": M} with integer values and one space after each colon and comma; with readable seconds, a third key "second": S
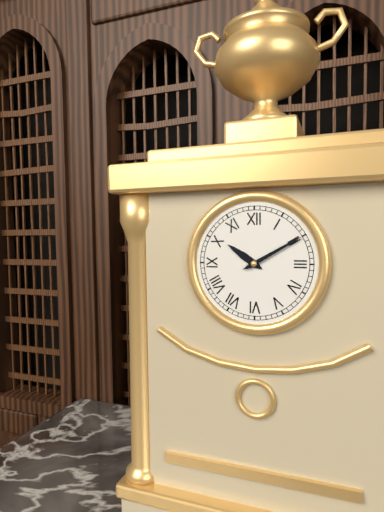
{"hour": 10, "minute": 10}
